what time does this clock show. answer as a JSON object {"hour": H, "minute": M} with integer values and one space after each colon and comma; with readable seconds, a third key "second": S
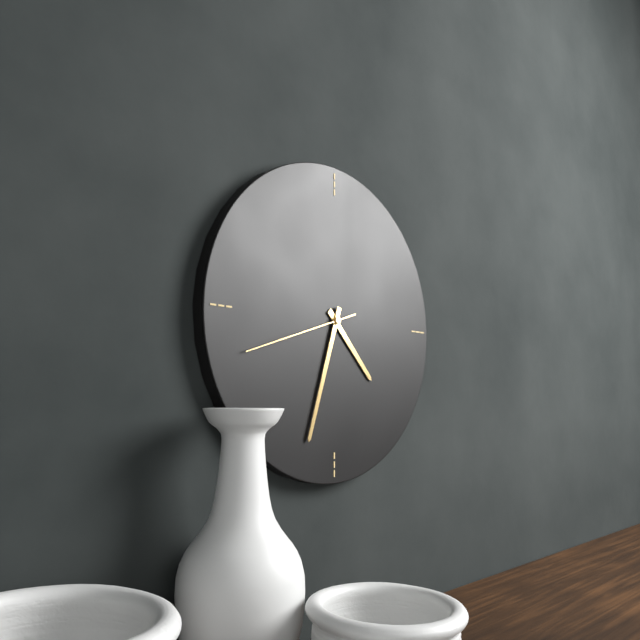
{"hour": 4, "minute": 33, "second": 42}
